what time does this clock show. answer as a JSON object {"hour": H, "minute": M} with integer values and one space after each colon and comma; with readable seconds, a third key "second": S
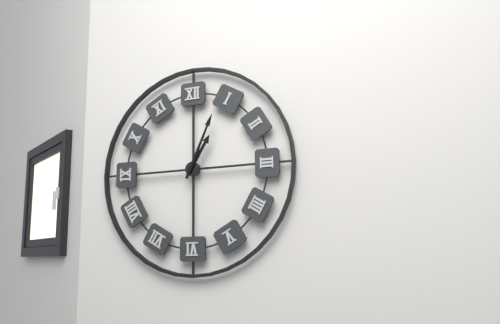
{"hour": 1, "minute": 4}
